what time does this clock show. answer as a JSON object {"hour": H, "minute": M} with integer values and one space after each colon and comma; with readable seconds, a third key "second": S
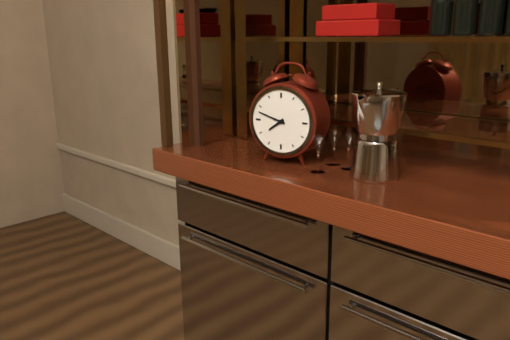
{"hour": 7, "minute": 48}
